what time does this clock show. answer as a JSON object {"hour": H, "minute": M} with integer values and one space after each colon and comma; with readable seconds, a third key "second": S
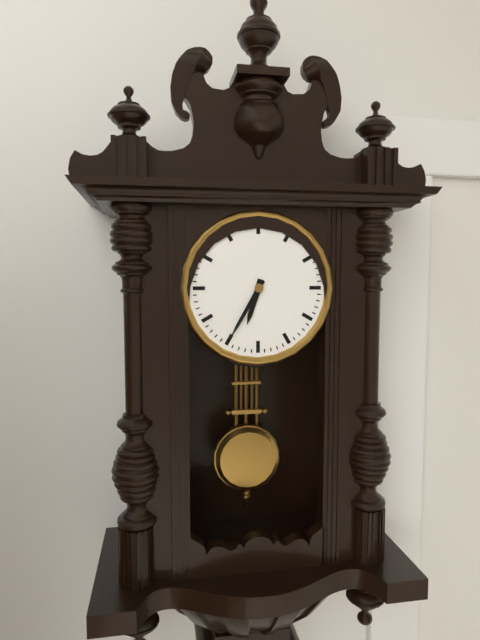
{"hour": 6, "minute": 35}
